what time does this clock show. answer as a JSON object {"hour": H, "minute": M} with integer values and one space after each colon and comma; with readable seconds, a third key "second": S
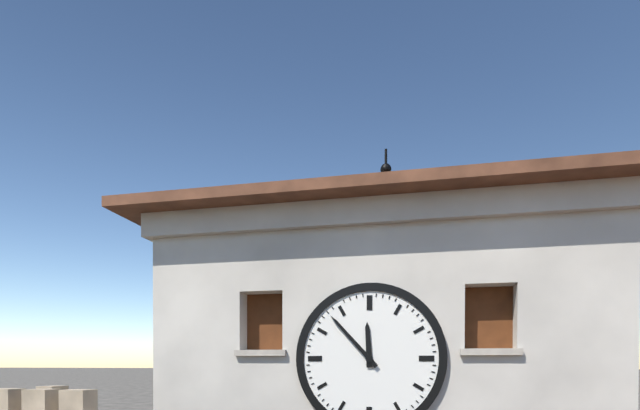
{"hour": 11, "minute": 53}
